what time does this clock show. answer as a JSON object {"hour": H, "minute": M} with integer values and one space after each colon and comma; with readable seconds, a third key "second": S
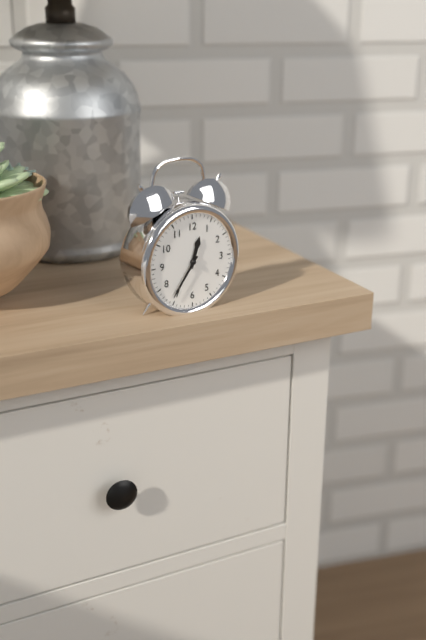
{"hour": 12, "minute": 36}
